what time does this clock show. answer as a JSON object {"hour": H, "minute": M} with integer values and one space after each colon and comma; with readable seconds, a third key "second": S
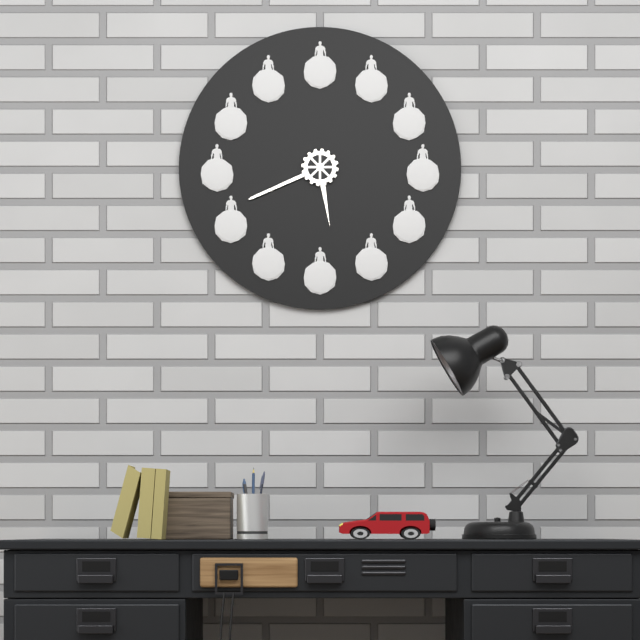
{"hour": 5, "minute": 41}
